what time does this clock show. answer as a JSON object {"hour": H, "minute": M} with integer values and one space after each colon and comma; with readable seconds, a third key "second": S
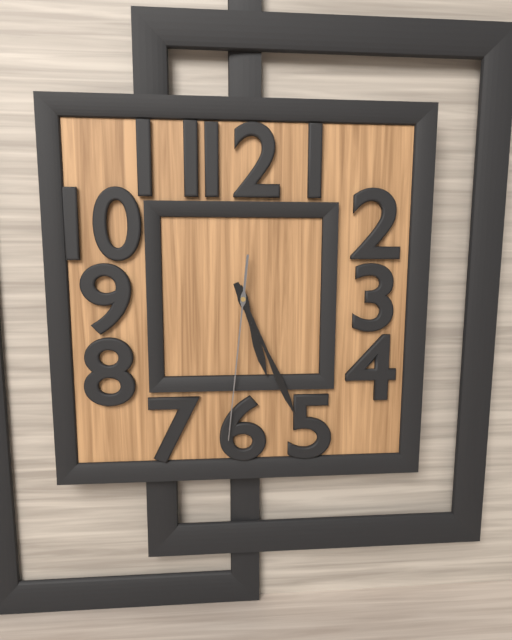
{"hour": 5, "minute": 26, "second": 31}
